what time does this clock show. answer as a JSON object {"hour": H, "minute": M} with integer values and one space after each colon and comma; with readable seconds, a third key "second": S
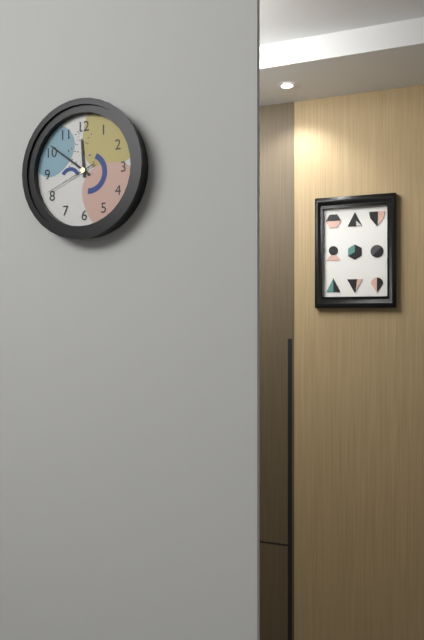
{"hour": 11, "minute": 51, "second": 41}
